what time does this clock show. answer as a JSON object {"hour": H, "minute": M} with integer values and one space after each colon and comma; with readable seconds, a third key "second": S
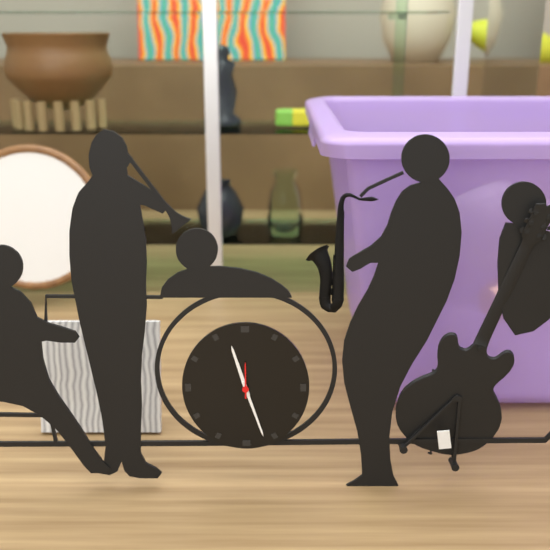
{"hour": 11, "minute": 27}
